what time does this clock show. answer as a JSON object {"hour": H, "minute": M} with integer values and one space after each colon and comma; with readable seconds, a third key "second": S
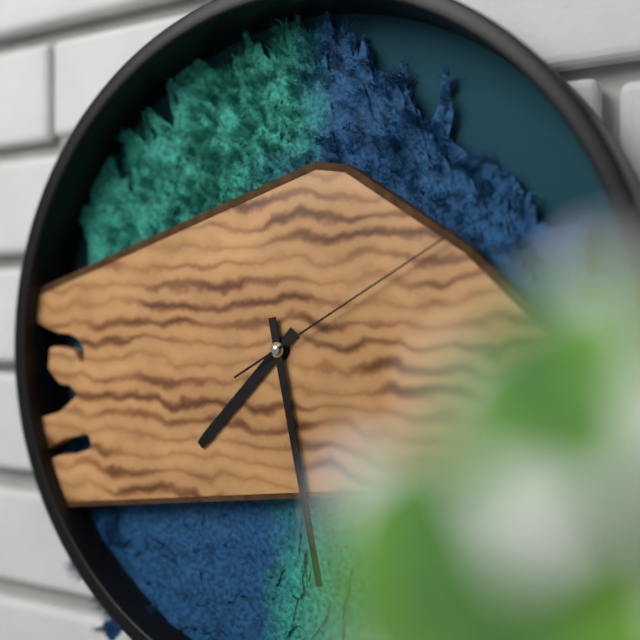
{"hour": 7, "minute": 28, "second": 10}
